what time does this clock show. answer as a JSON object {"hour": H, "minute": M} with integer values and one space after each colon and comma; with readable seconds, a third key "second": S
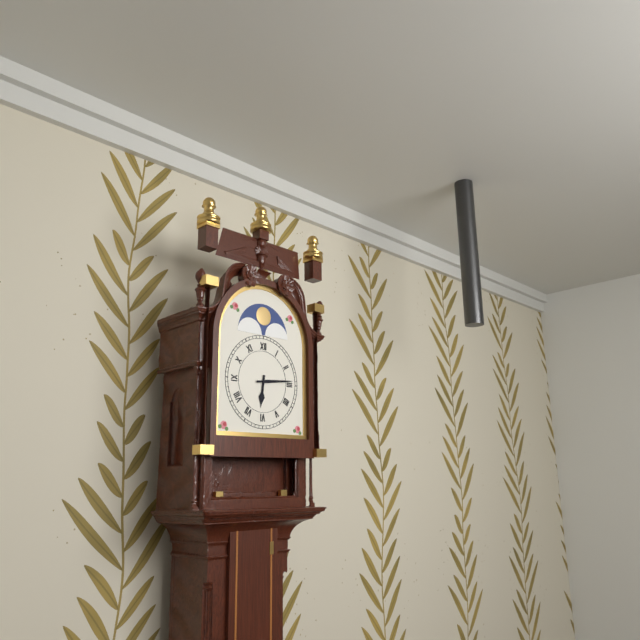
{"hour": 6, "minute": 14}
